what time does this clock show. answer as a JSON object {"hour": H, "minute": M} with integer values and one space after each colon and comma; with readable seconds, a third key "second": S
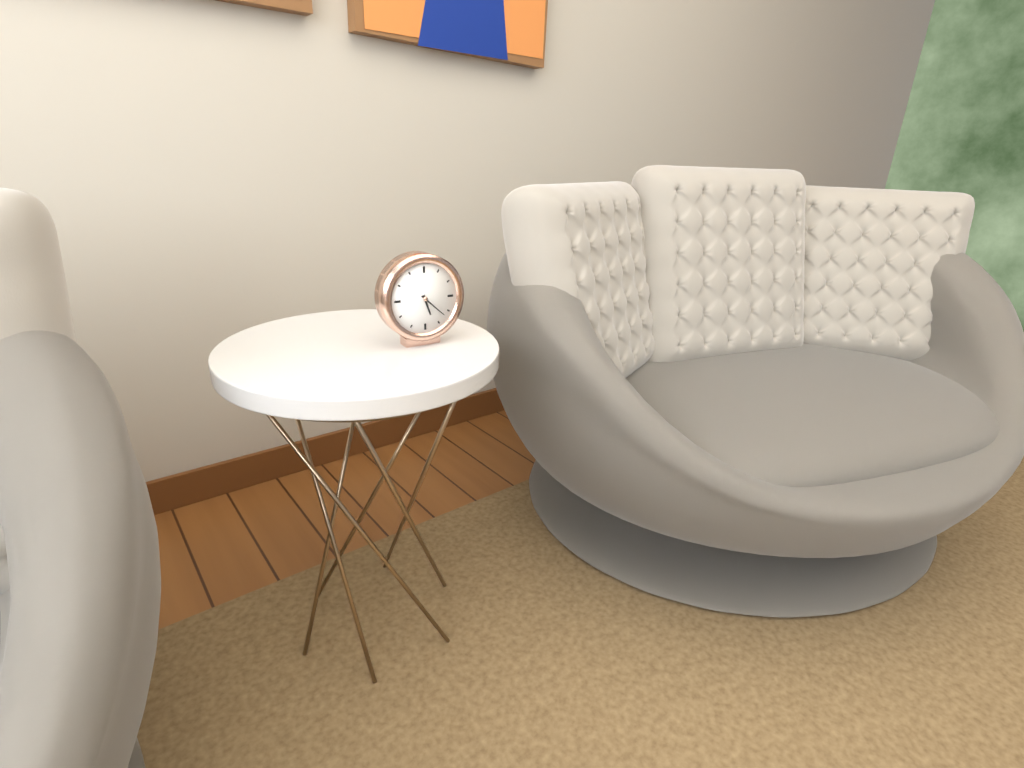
{"hour": 5, "minute": 22}
